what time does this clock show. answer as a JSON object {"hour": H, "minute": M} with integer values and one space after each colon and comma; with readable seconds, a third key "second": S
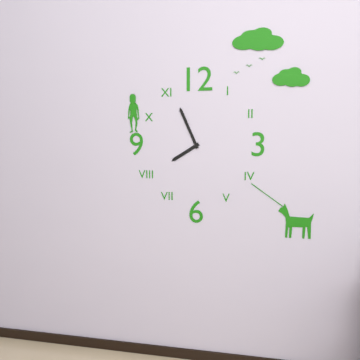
{"hour": 7, "minute": 56}
